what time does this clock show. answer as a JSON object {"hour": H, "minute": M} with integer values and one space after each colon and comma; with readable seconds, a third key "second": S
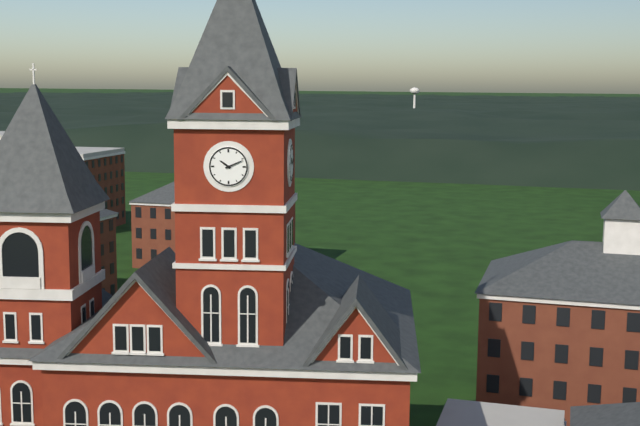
{"hour": 10, "minute": 11}
